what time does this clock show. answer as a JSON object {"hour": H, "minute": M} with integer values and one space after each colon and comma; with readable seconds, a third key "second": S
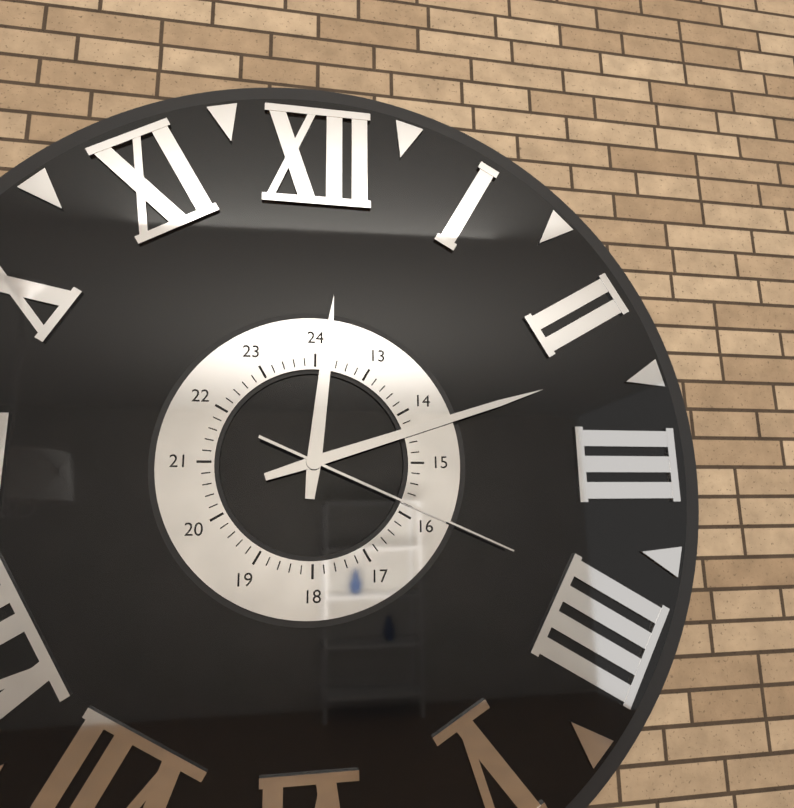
{"hour": 12, "minute": 12, "second": 19}
